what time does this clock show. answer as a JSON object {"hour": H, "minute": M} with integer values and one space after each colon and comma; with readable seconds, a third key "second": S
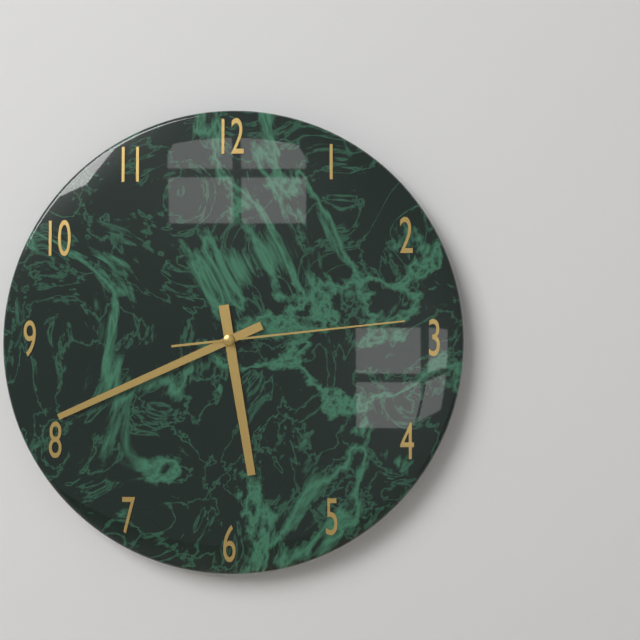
{"hour": 5, "minute": 41, "second": 14}
